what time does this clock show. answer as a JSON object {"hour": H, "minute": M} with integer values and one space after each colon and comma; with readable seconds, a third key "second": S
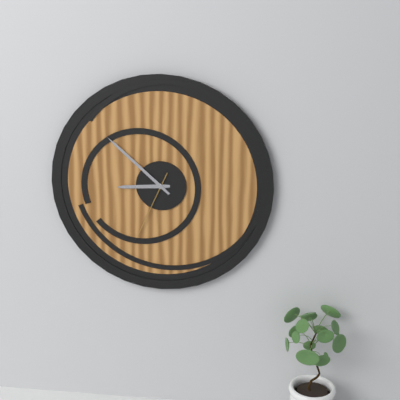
{"hour": 8, "minute": 52, "second": 34}
